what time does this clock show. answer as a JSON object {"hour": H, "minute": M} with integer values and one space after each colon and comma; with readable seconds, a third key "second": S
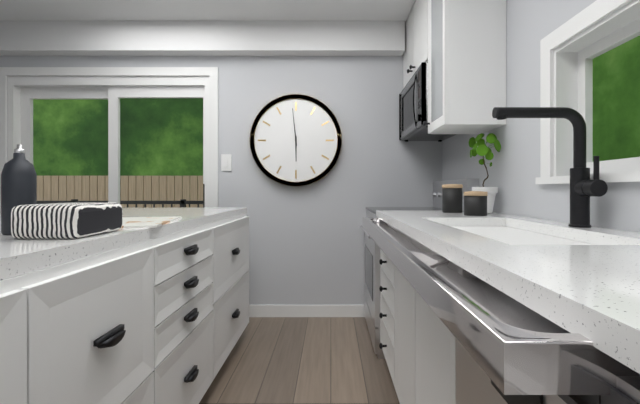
{"hour": 5, "minute": 59}
